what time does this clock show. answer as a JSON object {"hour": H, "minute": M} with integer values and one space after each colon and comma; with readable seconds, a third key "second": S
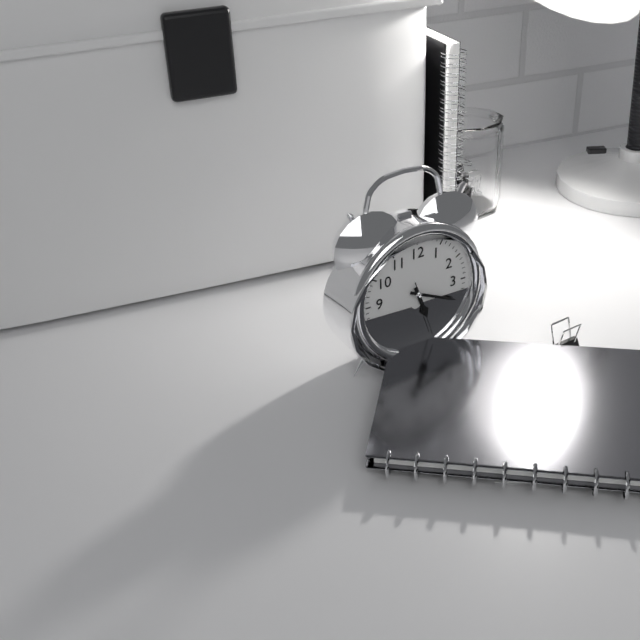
{"hour": 5, "minute": 19, "second": 27}
